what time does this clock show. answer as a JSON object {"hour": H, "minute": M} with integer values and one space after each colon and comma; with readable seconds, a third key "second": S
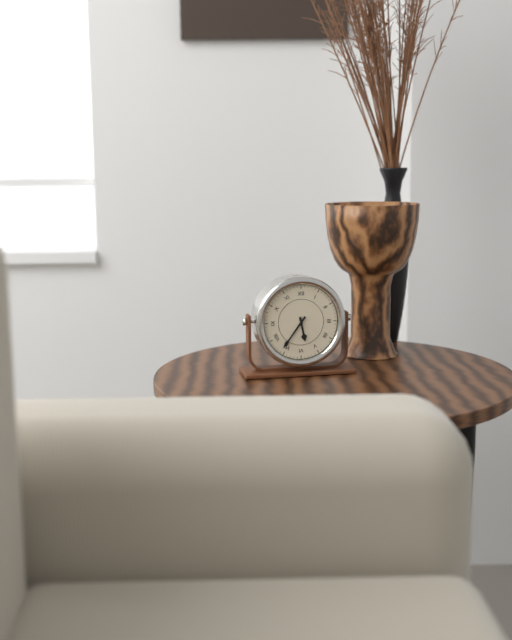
{"hour": 5, "minute": 36}
